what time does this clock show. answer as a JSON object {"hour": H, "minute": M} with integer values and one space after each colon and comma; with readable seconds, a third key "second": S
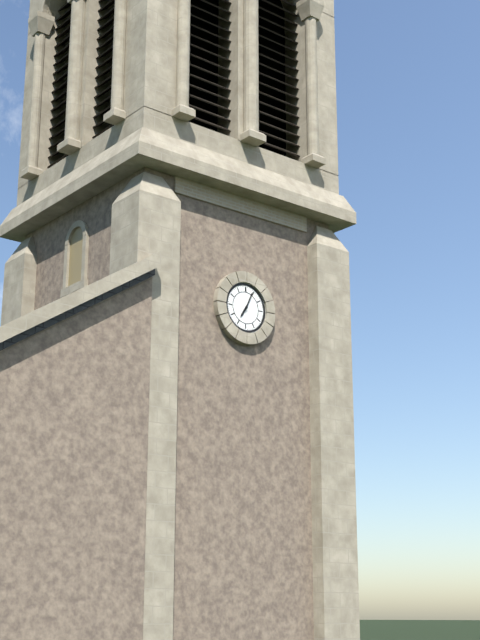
{"hour": 7, "minute": 4}
